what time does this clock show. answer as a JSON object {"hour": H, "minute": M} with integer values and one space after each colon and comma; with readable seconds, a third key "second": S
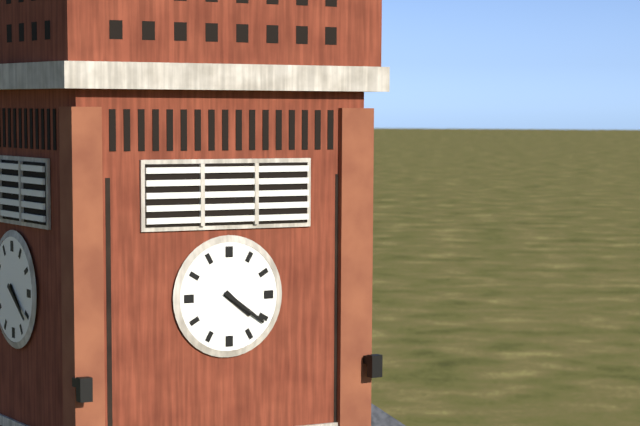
{"hour": 4, "minute": 21}
